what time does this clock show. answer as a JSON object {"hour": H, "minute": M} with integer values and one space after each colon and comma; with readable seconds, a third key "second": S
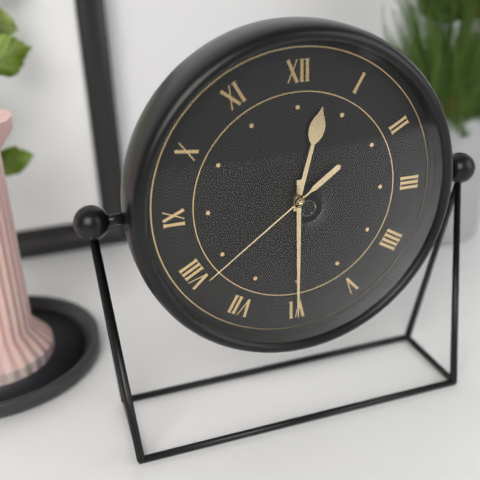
{"hour": 12, "minute": 30, "second": 39}
